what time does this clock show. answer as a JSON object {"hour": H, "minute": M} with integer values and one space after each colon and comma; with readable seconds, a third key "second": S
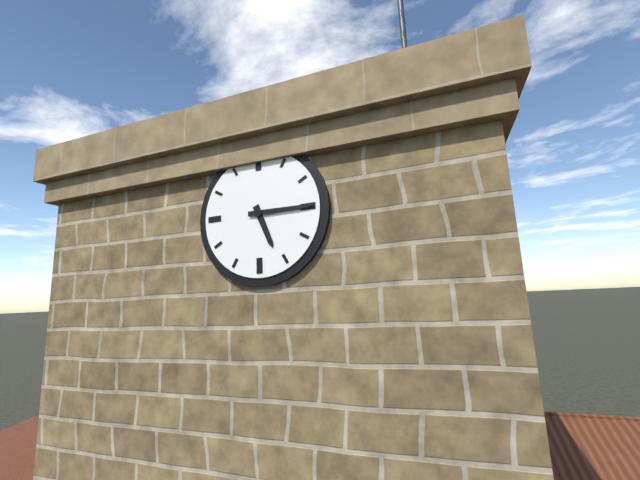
{"hour": 5, "minute": 15}
